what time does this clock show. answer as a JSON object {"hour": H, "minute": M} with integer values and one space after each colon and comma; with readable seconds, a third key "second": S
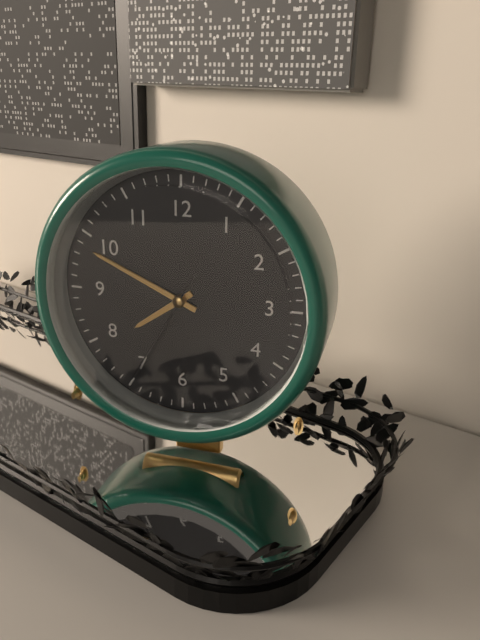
{"hour": 7, "minute": 49, "second": 35}
